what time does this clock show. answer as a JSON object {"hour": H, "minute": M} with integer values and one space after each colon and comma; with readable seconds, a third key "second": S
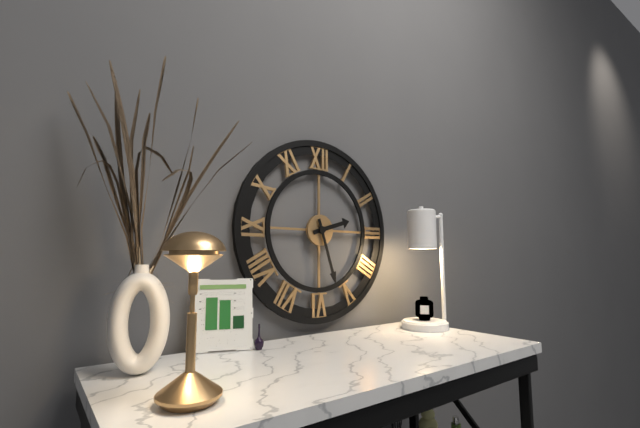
{"hour": 2, "minute": 27}
